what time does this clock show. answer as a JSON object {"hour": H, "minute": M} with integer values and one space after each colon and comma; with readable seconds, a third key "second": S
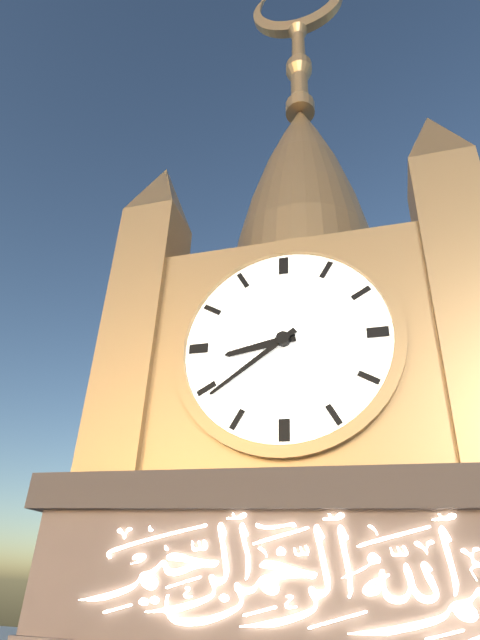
{"hour": 8, "minute": 39}
